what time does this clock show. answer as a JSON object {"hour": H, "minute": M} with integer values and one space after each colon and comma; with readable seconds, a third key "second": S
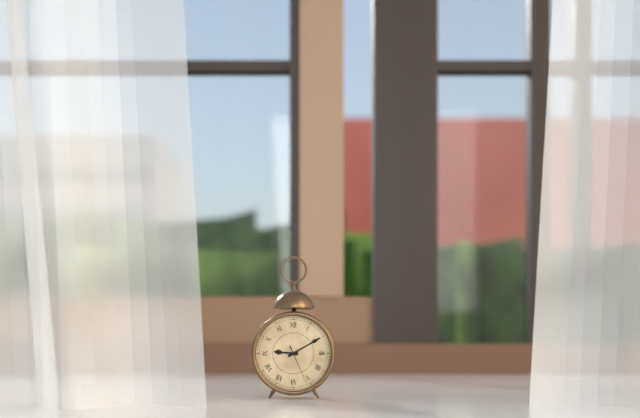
{"hour": 9, "minute": 10}
